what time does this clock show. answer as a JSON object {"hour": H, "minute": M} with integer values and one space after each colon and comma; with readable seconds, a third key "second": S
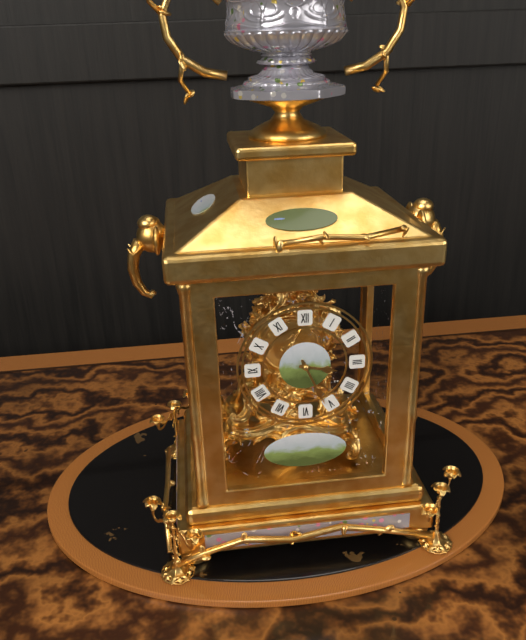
{"hour": 3, "minute": 26}
